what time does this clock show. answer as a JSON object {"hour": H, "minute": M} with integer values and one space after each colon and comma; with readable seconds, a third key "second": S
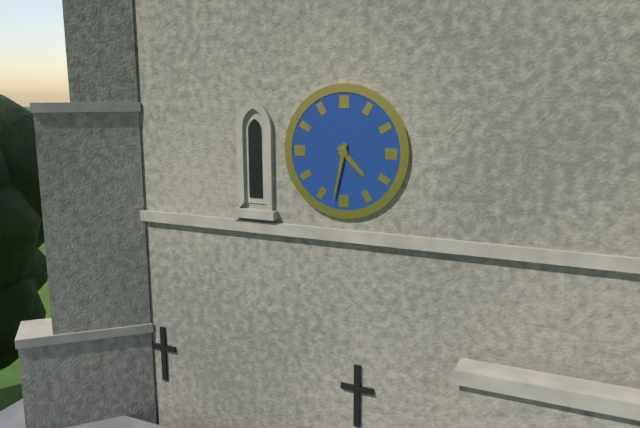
{"hour": 4, "minute": 32}
